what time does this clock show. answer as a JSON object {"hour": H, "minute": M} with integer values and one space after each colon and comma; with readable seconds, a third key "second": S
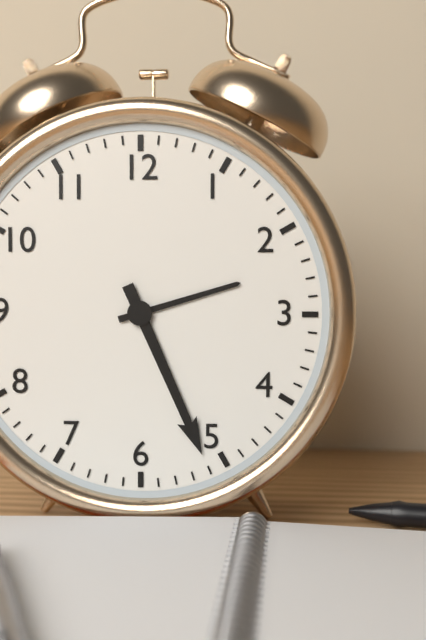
{"hour": 2, "minute": 26}
